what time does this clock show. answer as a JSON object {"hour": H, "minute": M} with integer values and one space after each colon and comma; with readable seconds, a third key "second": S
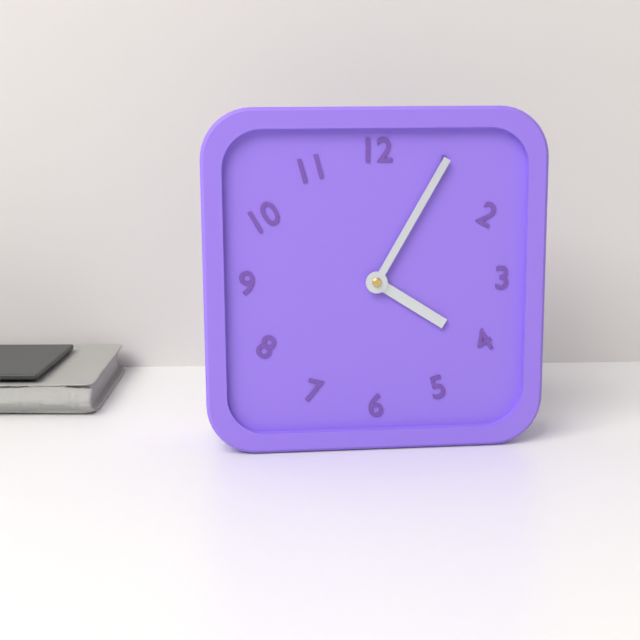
{"hour": 4, "minute": 5}
